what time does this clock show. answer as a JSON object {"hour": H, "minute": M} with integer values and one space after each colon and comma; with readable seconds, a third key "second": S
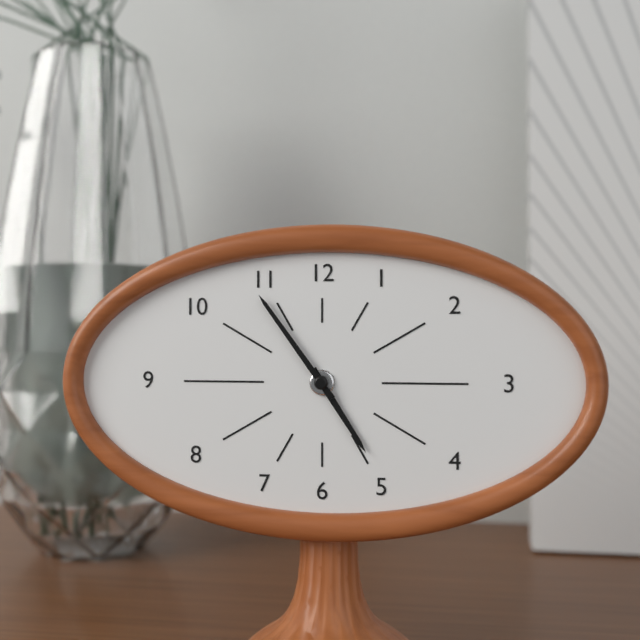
{"hour": 4, "minute": 54}
